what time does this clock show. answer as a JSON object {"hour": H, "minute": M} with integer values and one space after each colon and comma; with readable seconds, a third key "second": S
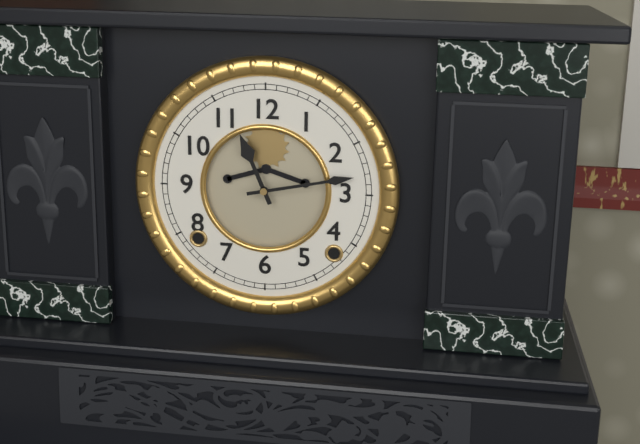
{"hour": 11, "minute": 13}
